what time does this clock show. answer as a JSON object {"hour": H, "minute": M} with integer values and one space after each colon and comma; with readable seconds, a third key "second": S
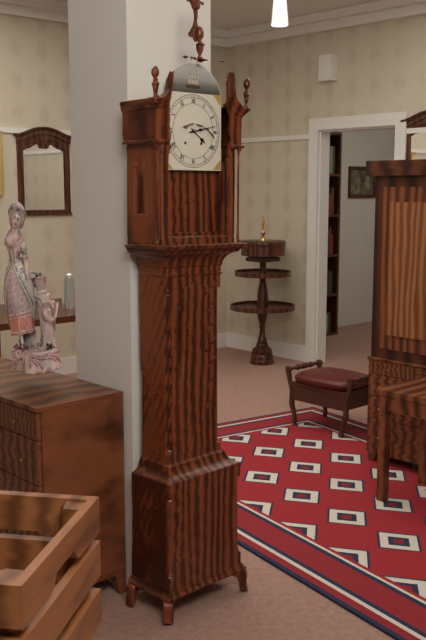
{"hour": 4, "minute": 13}
